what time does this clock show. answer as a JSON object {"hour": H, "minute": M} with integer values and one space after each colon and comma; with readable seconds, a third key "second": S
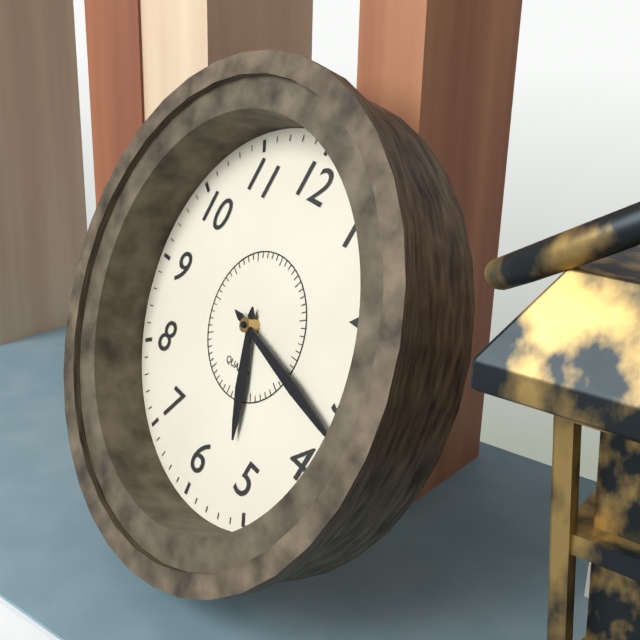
{"hour": 5, "minute": 17}
